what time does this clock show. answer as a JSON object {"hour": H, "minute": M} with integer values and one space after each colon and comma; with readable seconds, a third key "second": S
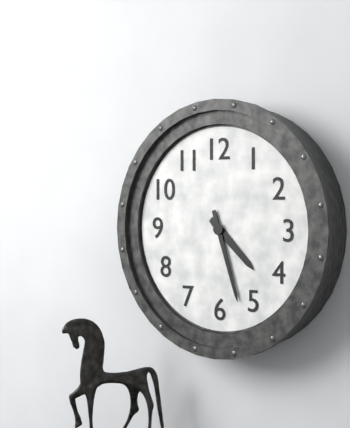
{"hour": 4, "minute": 27}
